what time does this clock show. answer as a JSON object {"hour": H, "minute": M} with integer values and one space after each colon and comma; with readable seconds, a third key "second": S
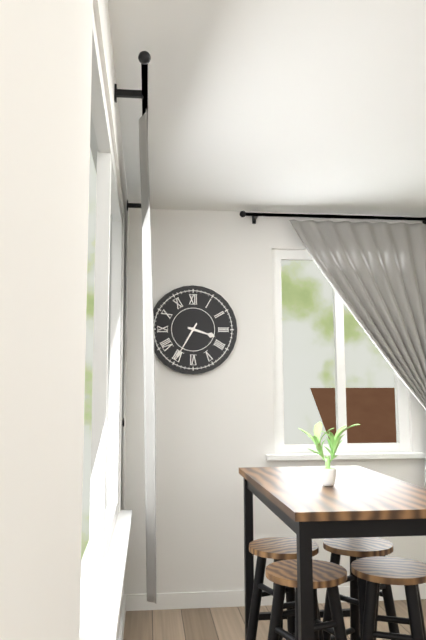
{"hour": 3, "minute": 35}
